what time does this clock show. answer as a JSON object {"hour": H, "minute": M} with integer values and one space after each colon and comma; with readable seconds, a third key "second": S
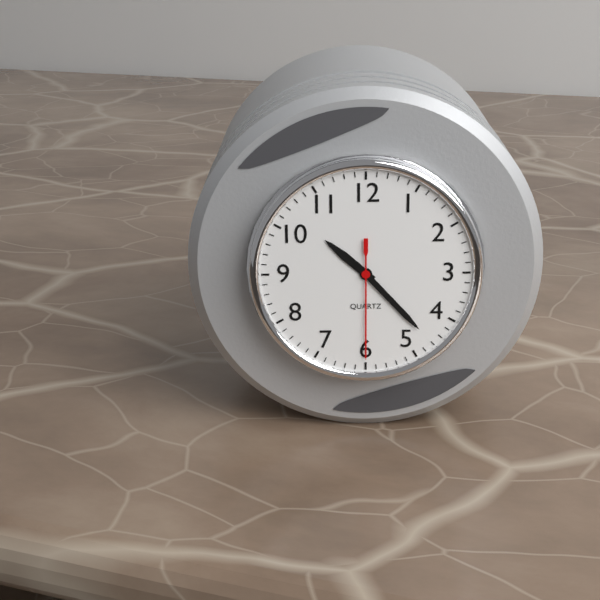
{"hour": 10, "minute": 23, "second": 30}
